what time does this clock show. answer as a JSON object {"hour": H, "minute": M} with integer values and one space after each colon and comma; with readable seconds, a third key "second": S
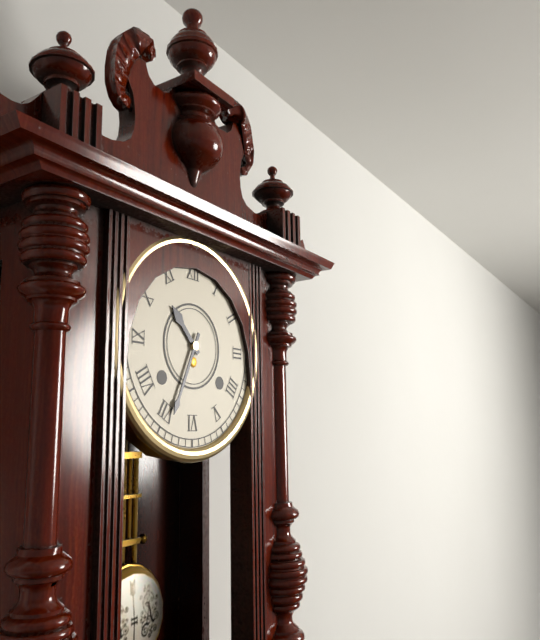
{"hour": 10, "minute": 34}
